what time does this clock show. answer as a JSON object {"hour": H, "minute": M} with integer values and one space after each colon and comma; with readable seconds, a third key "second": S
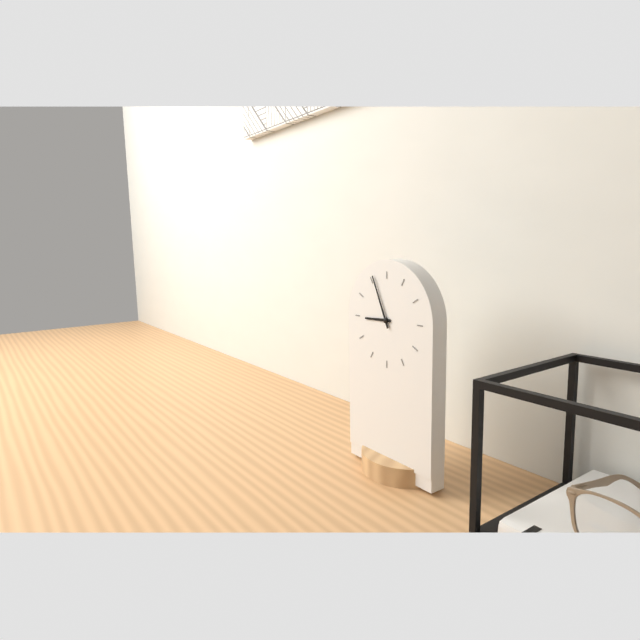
{"hour": 8, "minute": 56}
